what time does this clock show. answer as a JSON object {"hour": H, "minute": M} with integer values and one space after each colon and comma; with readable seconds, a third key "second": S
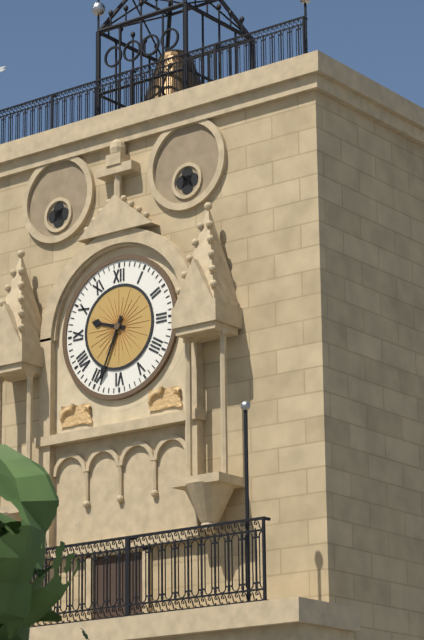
{"hour": 9, "minute": 34}
